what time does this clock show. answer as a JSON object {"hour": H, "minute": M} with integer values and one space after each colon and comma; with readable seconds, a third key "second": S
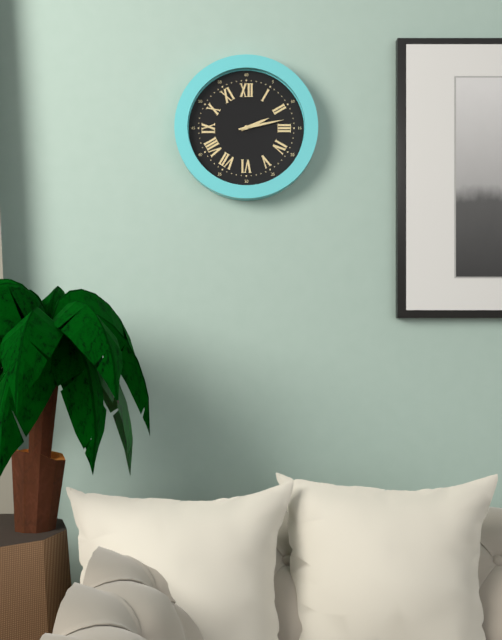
{"hour": 2, "minute": 13}
